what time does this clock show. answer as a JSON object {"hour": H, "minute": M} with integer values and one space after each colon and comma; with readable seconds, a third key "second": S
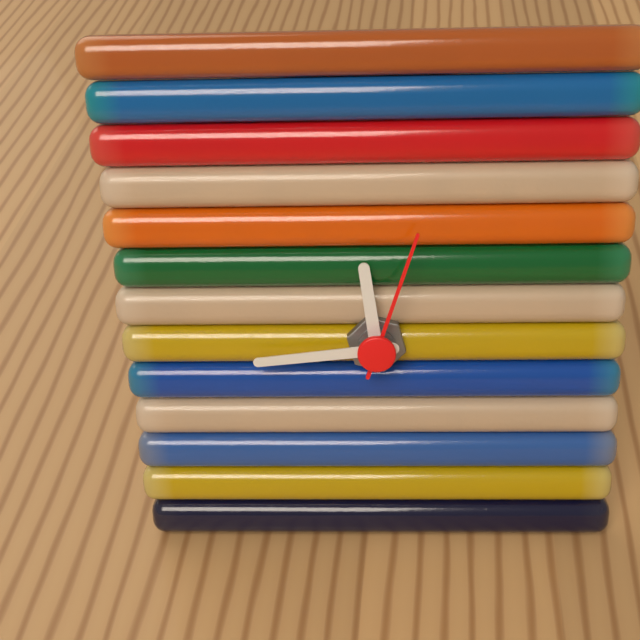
{"hour": 11, "minute": 44, "second": 3}
